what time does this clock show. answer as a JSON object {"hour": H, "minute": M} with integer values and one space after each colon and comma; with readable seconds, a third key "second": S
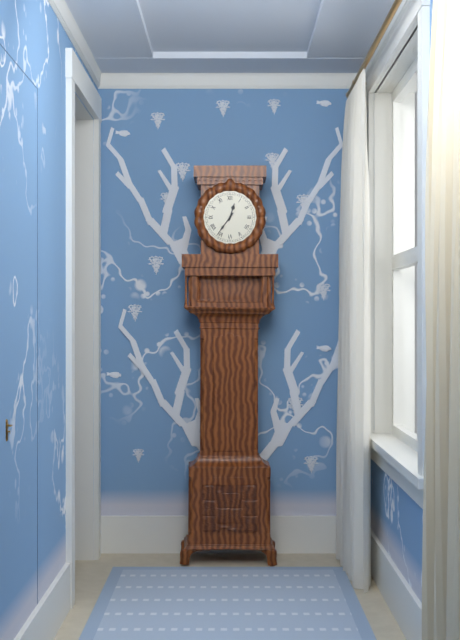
{"hour": 12, "minute": 36}
